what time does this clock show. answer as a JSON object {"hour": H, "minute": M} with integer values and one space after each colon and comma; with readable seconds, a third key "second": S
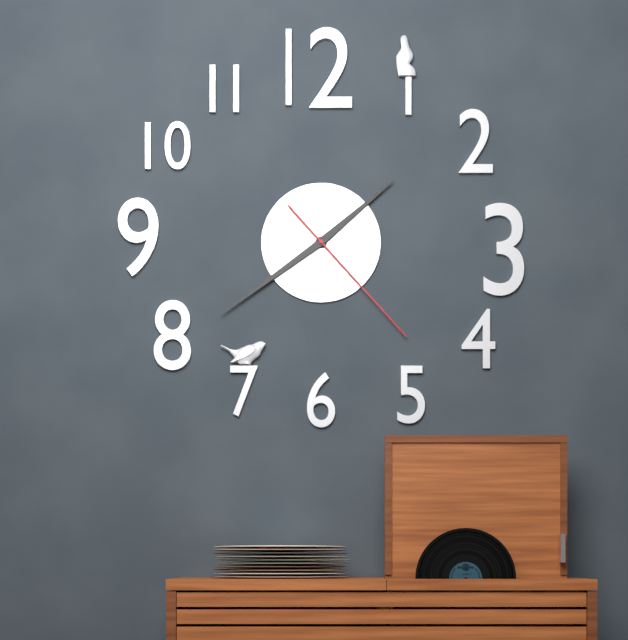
{"hour": 1, "minute": 39, "second": 23}
